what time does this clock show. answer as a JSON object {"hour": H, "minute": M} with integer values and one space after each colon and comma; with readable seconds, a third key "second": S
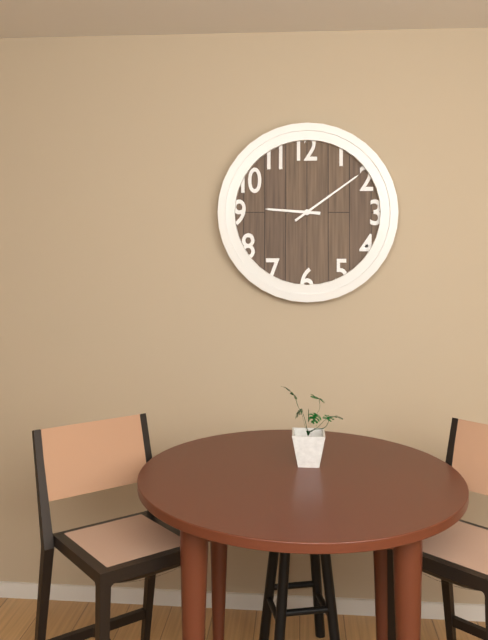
{"hour": 9, "minute": 9}
